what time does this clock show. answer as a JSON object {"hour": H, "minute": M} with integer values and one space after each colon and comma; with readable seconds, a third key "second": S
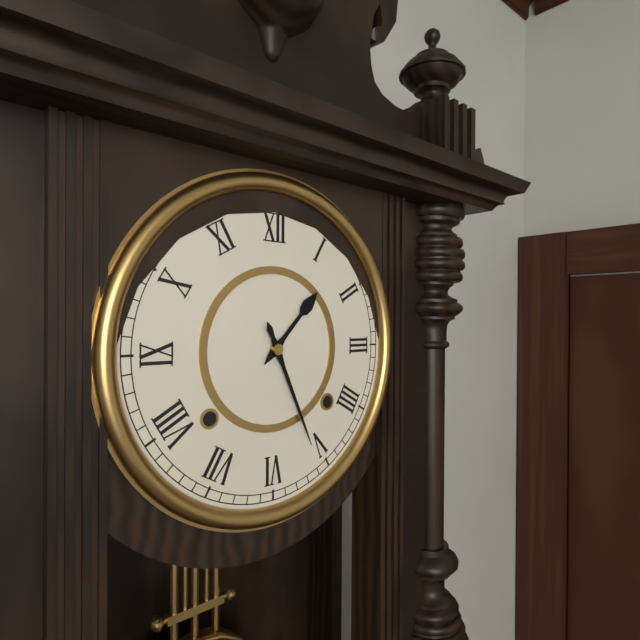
{"hour": 1, "minute": 26}
